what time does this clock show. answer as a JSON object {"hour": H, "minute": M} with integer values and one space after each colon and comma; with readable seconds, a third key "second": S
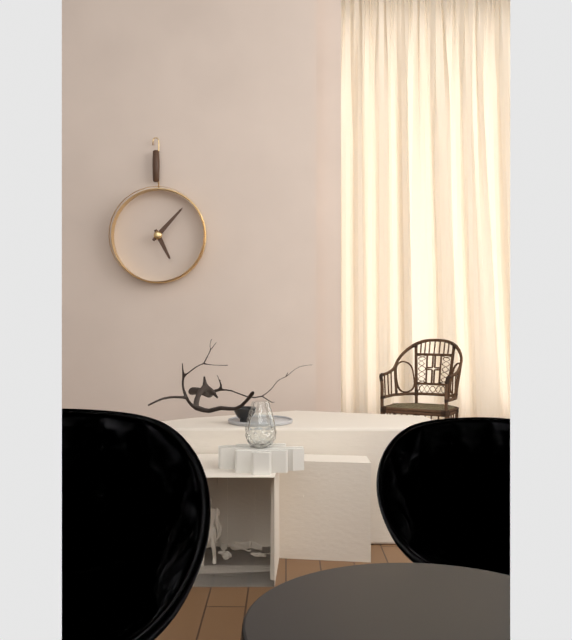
{"hour": 5, "minute": 7}
